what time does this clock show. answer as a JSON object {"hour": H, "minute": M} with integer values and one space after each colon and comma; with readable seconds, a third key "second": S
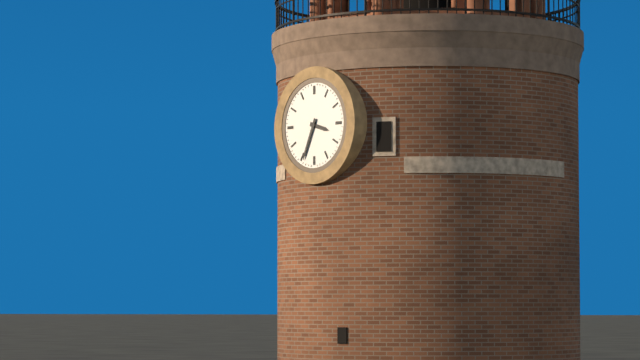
{"hour": 3, "minute": 34}
